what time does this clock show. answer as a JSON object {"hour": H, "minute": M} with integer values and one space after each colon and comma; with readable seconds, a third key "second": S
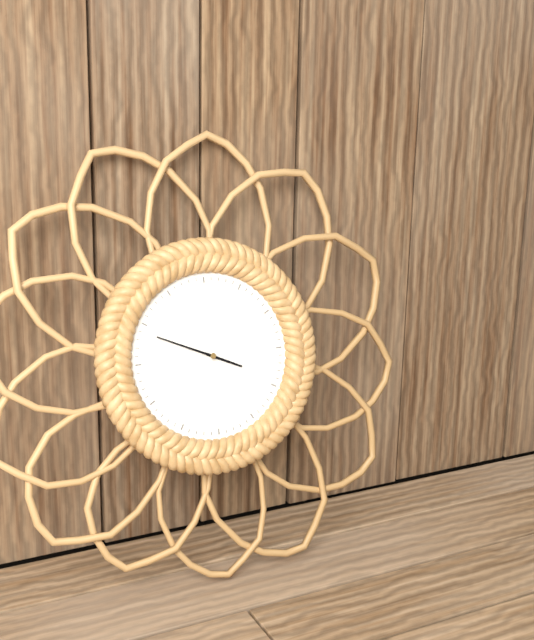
{"hour": 3, "minute": 49}
